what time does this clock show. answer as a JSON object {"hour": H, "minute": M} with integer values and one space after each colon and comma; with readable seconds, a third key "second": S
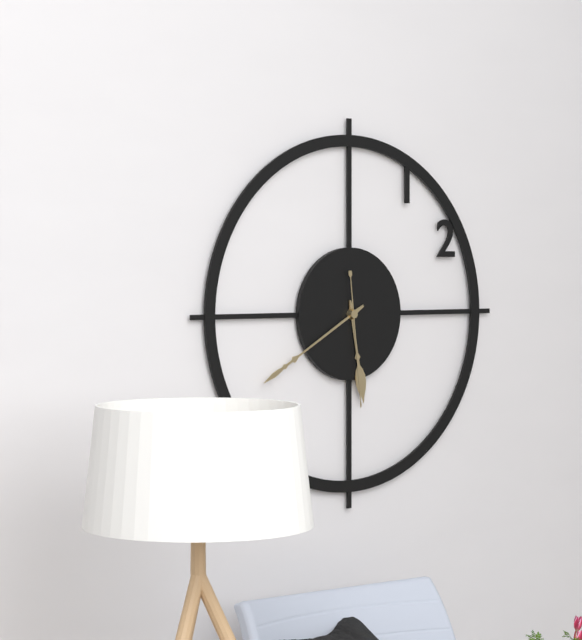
{"hour": 5, "minute": 40, "second": 29}
